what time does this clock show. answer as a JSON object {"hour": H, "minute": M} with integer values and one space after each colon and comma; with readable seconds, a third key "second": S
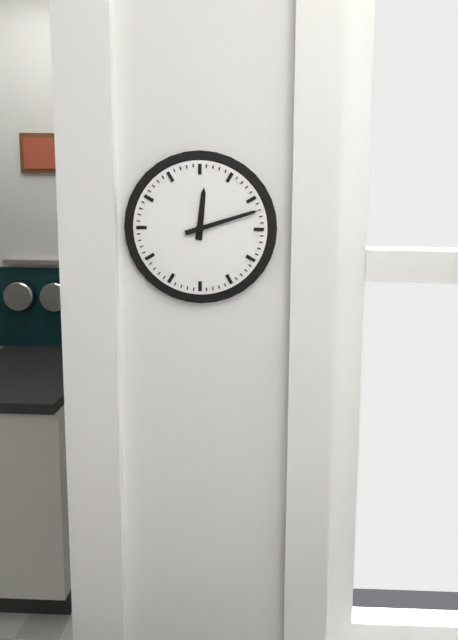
{"hour": 12, "minute": 12}
